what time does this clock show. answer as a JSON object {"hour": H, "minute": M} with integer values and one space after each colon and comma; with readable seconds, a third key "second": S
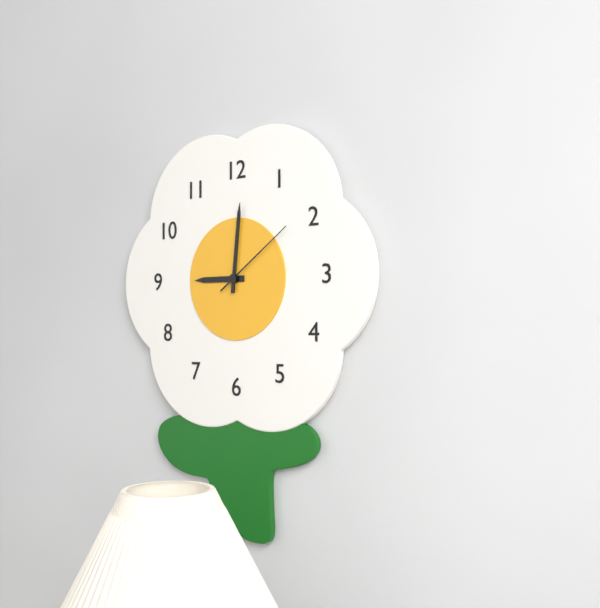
{"hour": 9, "minute": 1, "second": 9}
